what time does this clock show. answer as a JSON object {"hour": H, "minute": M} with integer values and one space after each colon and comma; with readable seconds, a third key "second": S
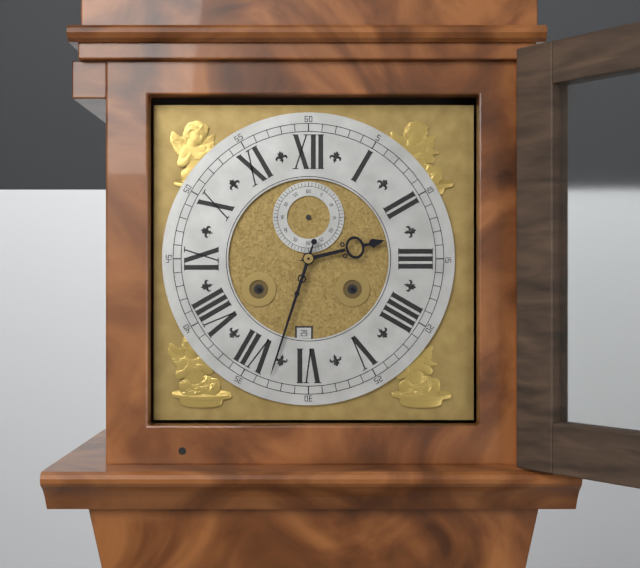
{"hour": 2, "minute": 33}
